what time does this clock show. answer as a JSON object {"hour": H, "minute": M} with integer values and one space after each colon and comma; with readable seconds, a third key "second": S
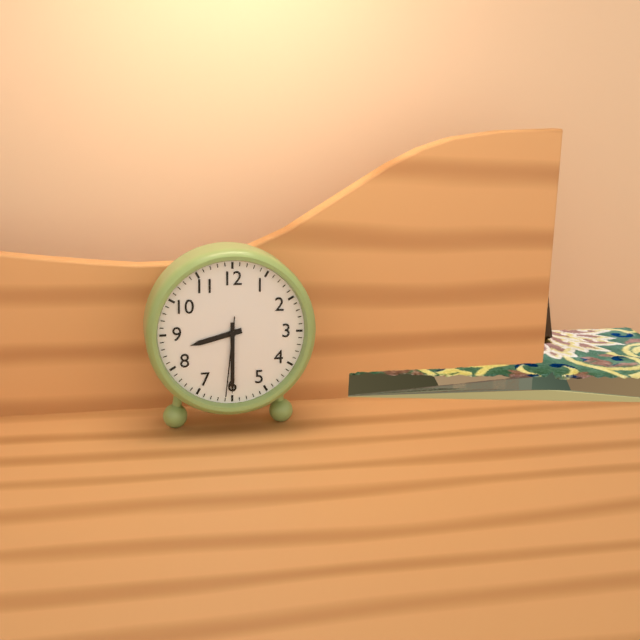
{"hour": 8, "minute": 30, "second": 31}
